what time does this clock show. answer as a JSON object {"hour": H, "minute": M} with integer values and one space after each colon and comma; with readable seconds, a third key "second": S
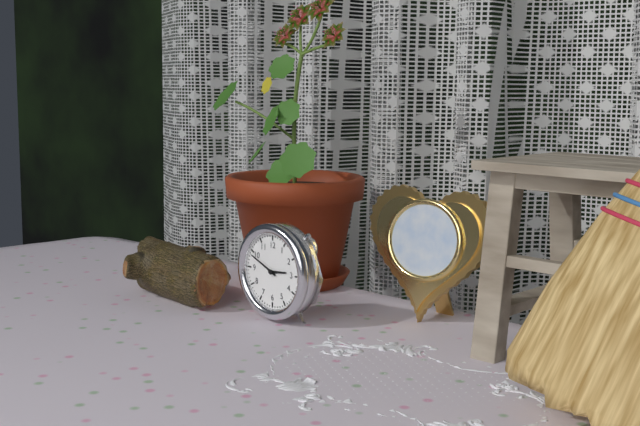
{"hour": 2, "minute": 49}
